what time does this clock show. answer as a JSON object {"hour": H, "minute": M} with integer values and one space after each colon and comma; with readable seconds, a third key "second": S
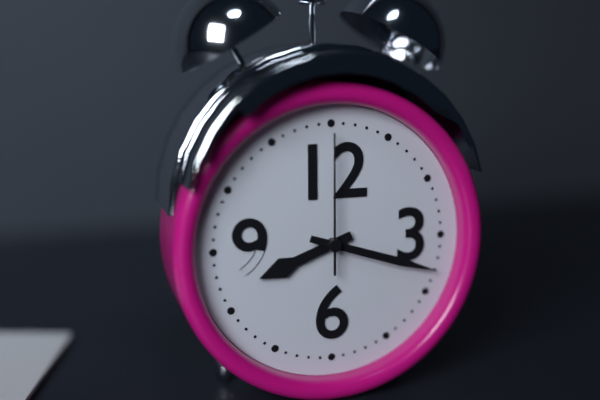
{"hour": 8, "minute": 18, "second": 0}
